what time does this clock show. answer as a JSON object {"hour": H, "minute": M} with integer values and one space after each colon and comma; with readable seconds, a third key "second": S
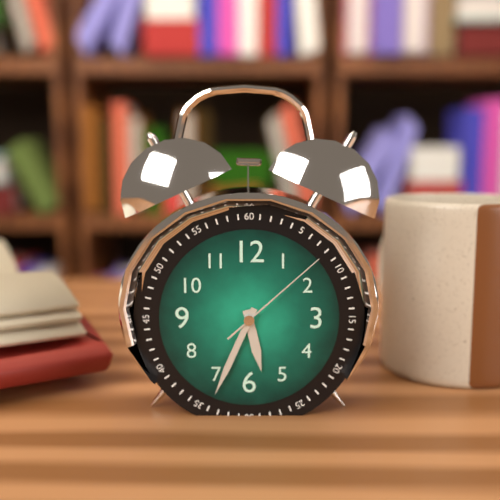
{"hour": 5, "minute": 34, "second": 8}
